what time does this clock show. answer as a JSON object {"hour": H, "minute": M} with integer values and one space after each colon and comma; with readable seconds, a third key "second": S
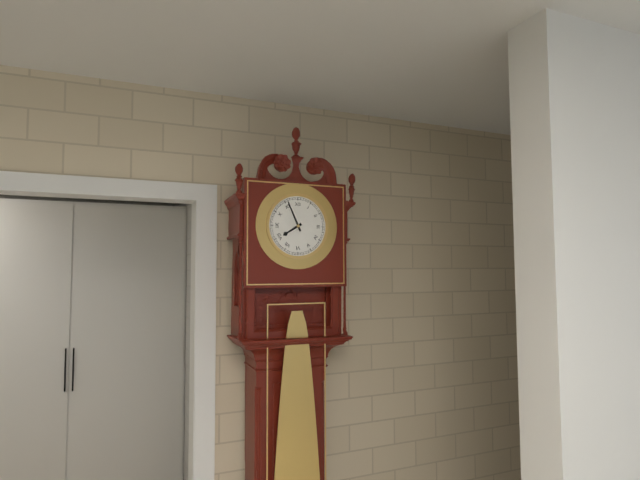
{"hour": 7, "minute": 56}
